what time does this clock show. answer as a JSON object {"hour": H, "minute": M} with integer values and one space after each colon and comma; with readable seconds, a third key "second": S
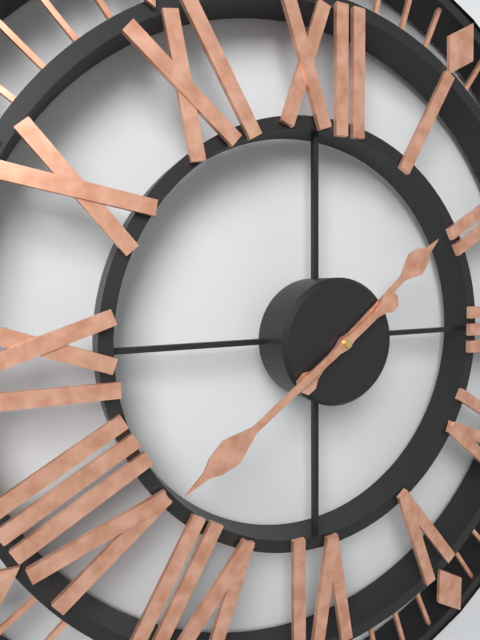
{"hour": 1, "minute": 39}
